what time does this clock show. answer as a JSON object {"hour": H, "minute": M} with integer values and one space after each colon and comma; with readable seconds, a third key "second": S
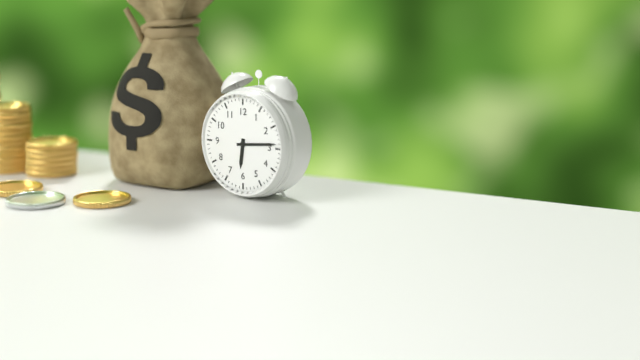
{"hour": 6, "minute": 14}
